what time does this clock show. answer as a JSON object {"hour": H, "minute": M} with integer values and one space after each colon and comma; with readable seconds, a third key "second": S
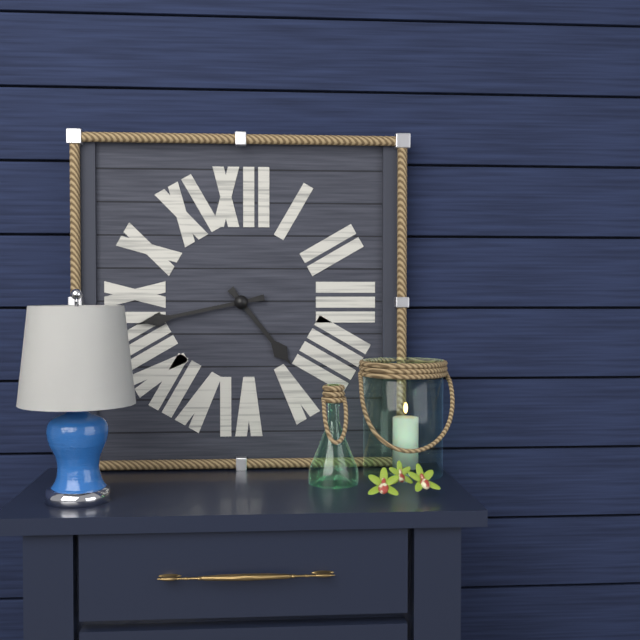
{"hour": 4, "minute": 43}
